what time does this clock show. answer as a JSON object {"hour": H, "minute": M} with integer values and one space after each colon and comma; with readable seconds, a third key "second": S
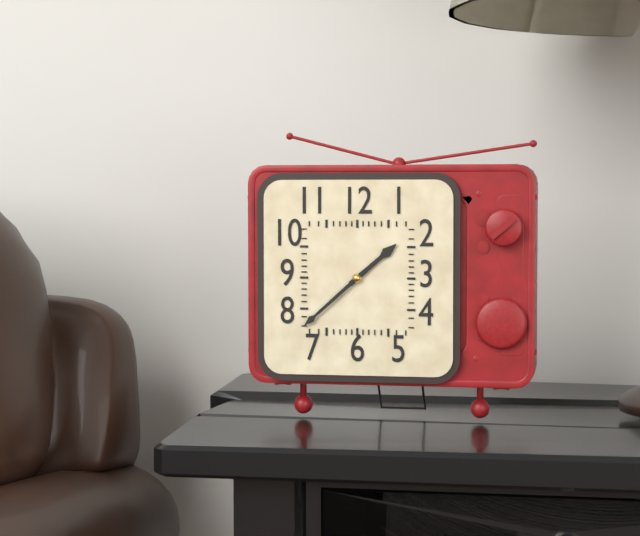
{"hour": 1, "minute": 38}
